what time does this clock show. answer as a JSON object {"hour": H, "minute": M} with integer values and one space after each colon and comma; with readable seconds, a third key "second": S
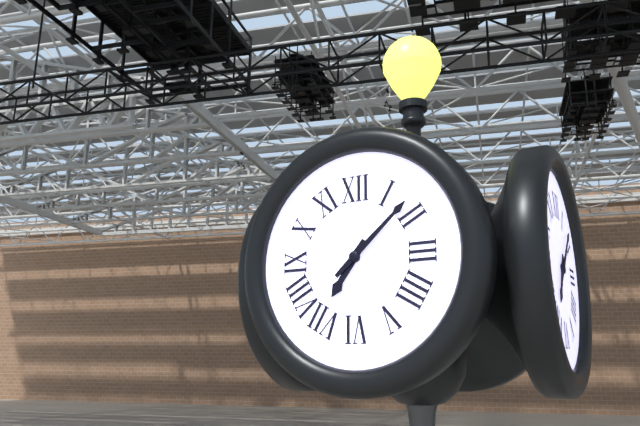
{"hour": 7, "minute": 8}
